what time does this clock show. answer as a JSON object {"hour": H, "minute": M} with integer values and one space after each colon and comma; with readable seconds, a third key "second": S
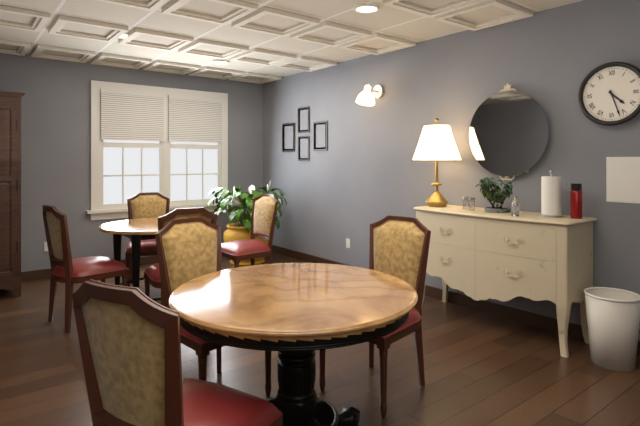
{"hour": 4, "minute": 27}
